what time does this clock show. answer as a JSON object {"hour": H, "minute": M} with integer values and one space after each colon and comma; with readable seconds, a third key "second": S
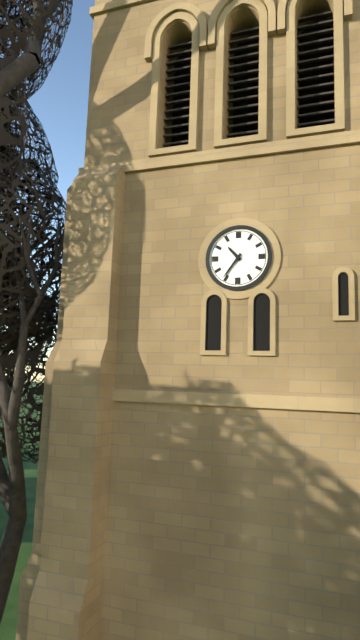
{"hour": 10, "minute": 36}
